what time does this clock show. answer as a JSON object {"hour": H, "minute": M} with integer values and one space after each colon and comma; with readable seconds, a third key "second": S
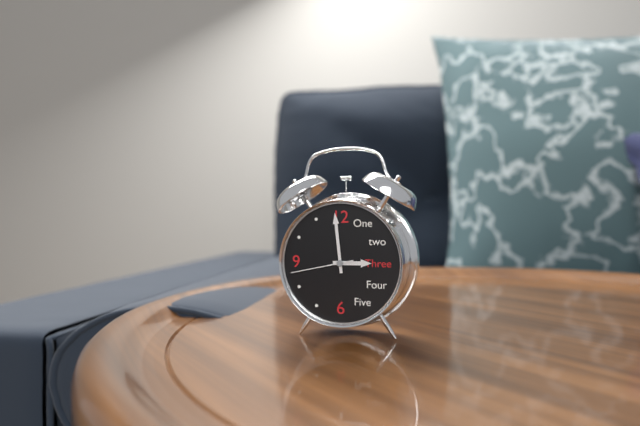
{"hour": 2, "minute": 59, "second": 43}
